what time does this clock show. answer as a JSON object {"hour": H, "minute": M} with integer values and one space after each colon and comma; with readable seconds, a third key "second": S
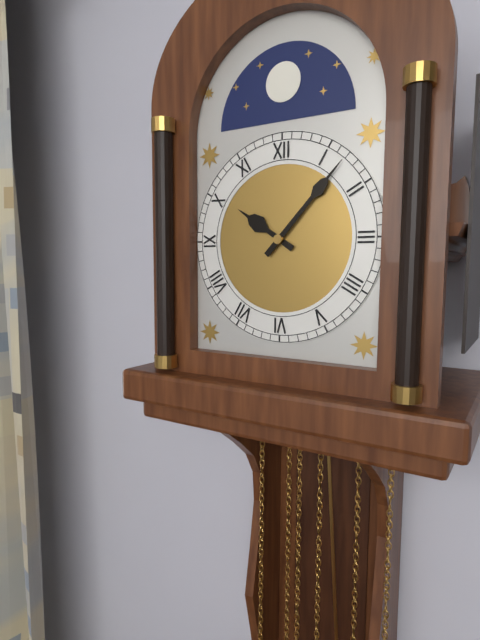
{"hour": 10, "minute": 7}
